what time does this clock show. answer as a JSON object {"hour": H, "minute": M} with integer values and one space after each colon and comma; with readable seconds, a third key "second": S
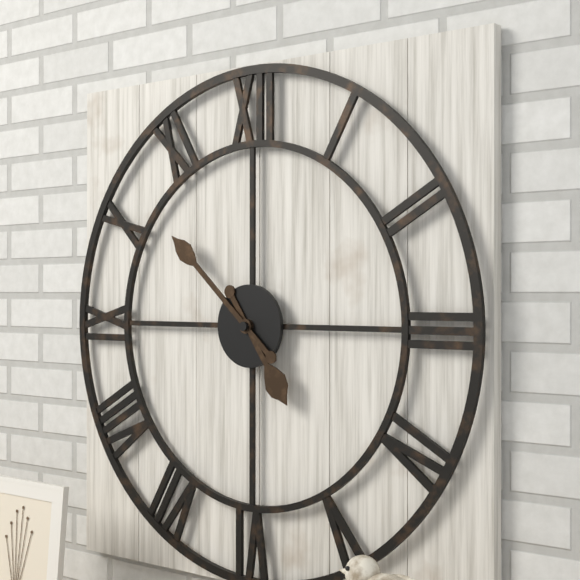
{"hour": 4, "minute": 52}
